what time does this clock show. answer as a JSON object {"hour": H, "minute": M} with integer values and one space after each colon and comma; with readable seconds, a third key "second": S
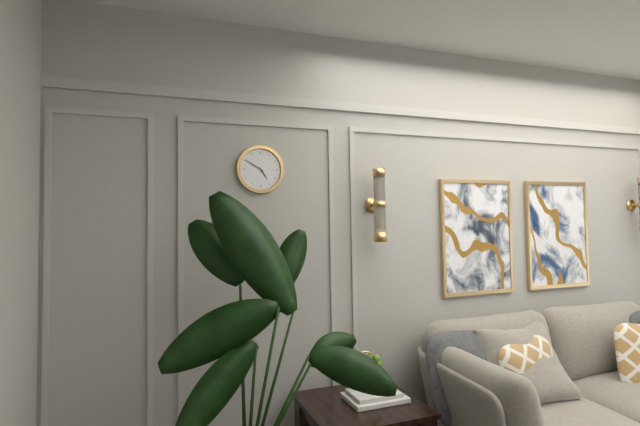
{"hour": 4, "minute": 50}
